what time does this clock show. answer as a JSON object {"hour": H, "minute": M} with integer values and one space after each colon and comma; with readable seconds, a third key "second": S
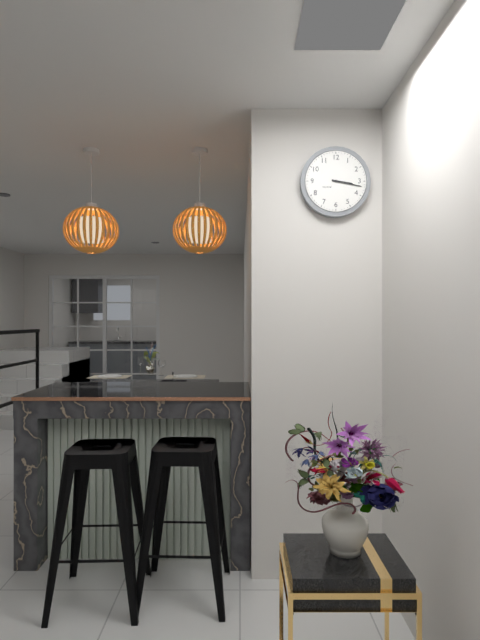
{"hour": 3, "minute": 17}
